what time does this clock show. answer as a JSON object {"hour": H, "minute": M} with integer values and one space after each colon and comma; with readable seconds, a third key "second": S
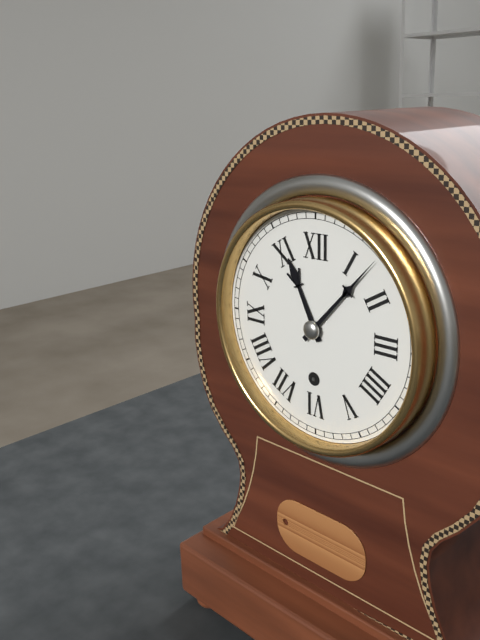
{"hour": 11, "minute": 7}
